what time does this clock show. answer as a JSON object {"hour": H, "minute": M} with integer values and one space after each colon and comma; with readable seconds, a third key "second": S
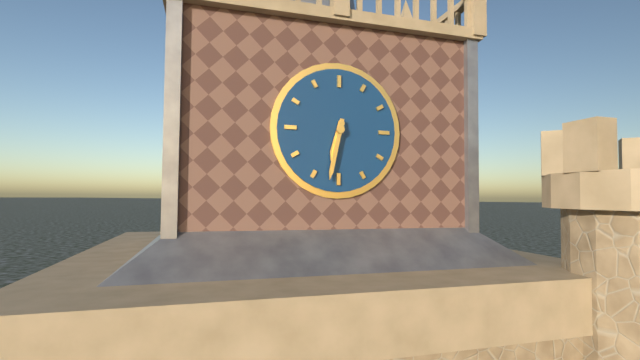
{"hour": 6, "minute": 32}
